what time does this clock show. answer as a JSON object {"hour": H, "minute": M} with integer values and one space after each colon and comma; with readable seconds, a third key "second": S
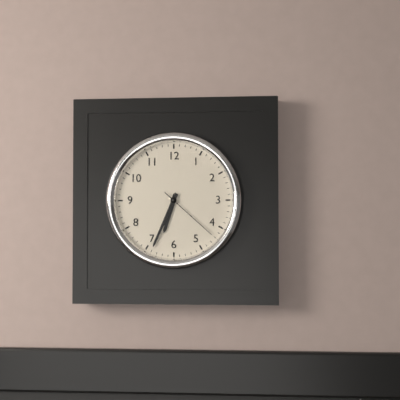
{"hour": 6, "minute": 34, "second": 22}
